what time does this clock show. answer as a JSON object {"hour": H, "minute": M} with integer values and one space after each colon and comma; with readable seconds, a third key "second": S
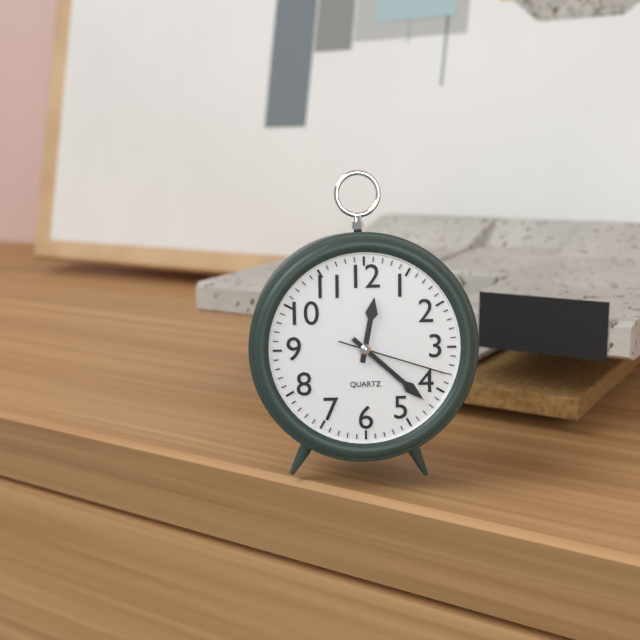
{"hour": 12, "minute": 22, "second": 18}
